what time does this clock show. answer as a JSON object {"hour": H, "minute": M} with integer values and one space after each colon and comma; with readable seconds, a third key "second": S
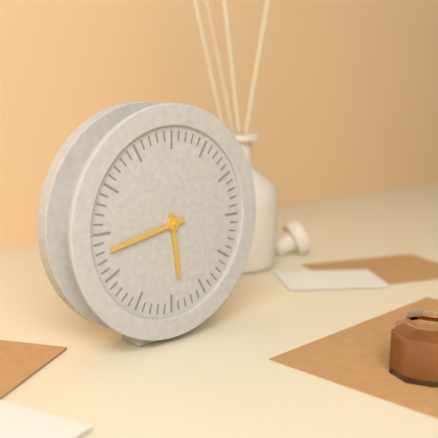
{"hour": 5, "minute": 43}
